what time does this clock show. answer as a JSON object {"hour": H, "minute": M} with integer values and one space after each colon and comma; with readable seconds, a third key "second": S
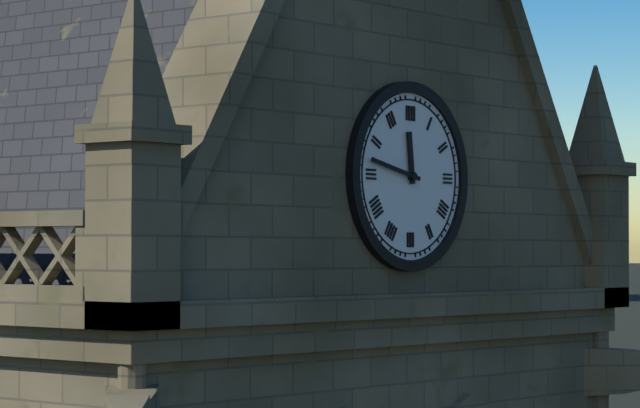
{"hour": 11, "minute": 47}
